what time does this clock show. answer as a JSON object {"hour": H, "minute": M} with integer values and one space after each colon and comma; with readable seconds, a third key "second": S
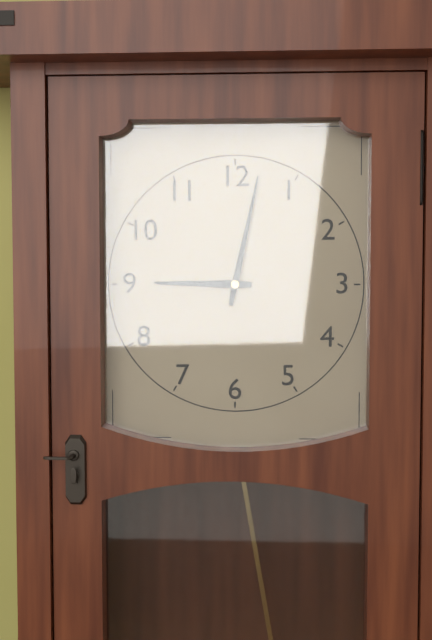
{"hour": 9, "minute": 2}
